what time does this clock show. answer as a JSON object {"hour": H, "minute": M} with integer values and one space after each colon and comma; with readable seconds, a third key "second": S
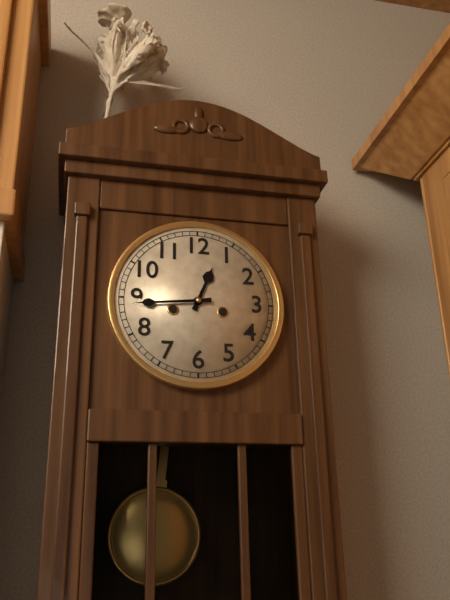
{"hour": 12, "minute": 44}
